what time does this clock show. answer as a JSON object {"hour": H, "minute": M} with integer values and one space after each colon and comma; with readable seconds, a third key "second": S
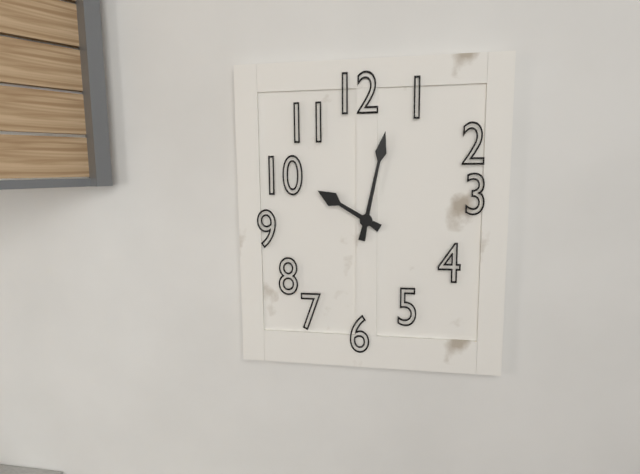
{"hour": 10, "minute": 2}
